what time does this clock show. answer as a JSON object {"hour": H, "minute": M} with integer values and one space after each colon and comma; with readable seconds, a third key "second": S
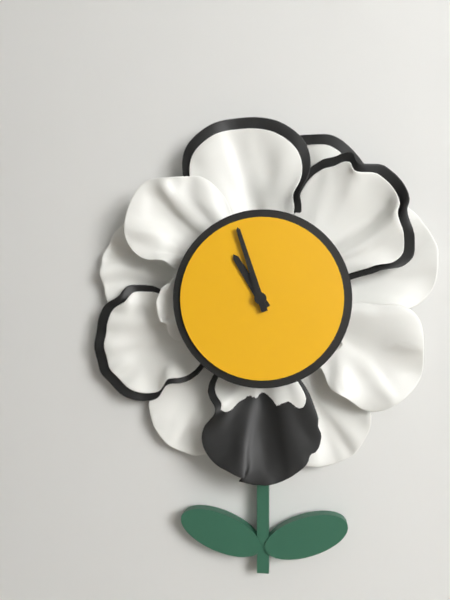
{"hour": 10, "minute": 57}
